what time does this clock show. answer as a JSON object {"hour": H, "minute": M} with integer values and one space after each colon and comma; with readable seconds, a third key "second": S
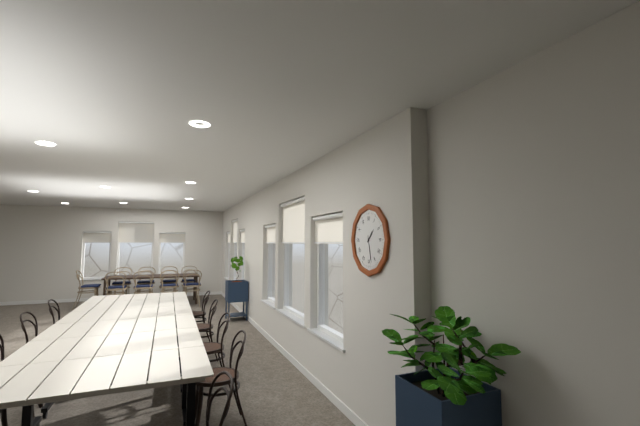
{"hour": 1, "minute": 28}
